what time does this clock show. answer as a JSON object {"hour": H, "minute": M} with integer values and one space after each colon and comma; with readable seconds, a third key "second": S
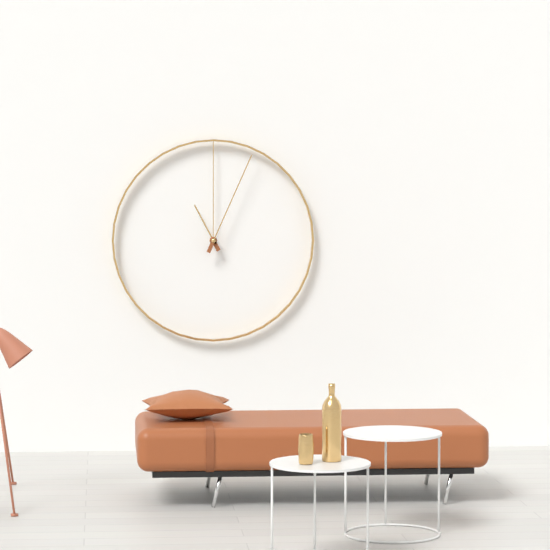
{"hour": 11, "minute": 4}
